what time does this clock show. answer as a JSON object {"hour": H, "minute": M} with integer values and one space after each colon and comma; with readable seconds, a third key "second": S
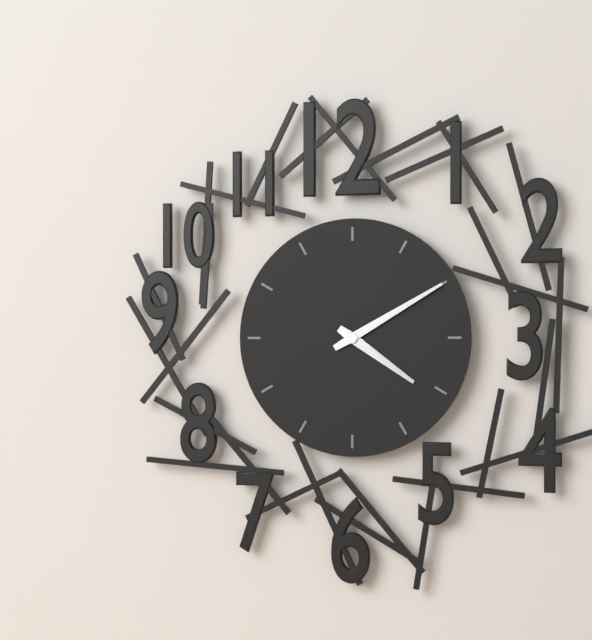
{"hour": 4, "minute": 10}
